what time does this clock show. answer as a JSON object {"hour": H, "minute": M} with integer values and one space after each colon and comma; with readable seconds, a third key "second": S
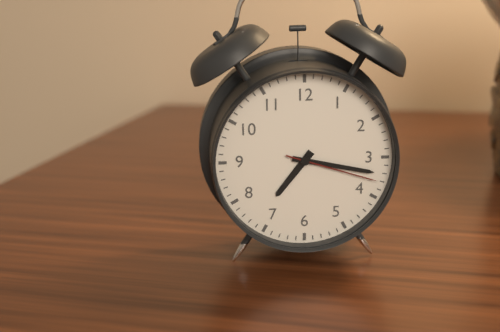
{"hour": 7, "minute": 17, "second": 18}
